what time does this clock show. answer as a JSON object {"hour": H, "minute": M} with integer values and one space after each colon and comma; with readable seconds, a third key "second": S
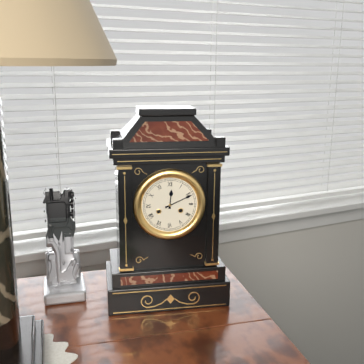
{"hour": 12, "minute": 11}
